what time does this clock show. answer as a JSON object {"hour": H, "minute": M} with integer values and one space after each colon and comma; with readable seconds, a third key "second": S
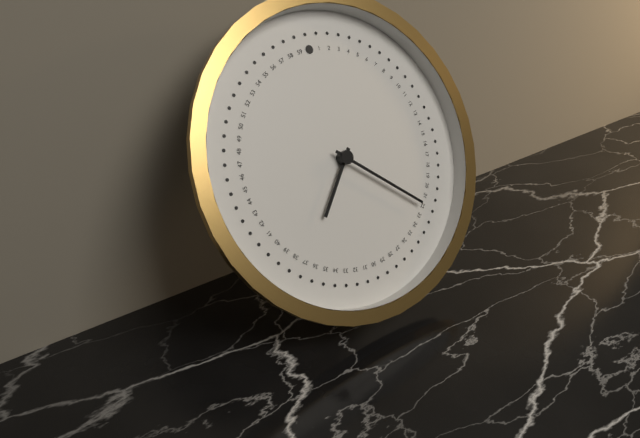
{"hour": 7, "minute": 22}
